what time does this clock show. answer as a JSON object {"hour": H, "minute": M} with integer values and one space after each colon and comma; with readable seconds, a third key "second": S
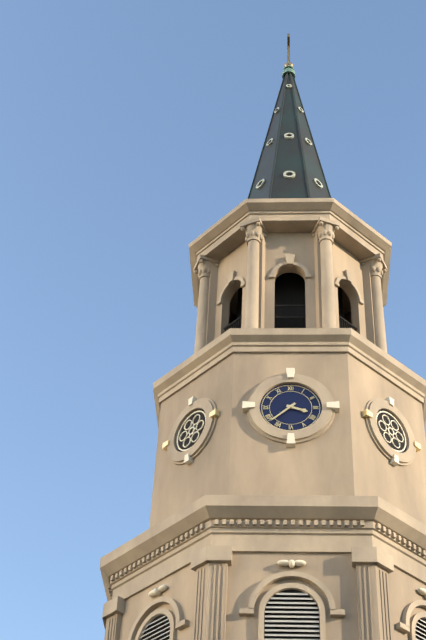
{"hour": 3, "minute": 38}
